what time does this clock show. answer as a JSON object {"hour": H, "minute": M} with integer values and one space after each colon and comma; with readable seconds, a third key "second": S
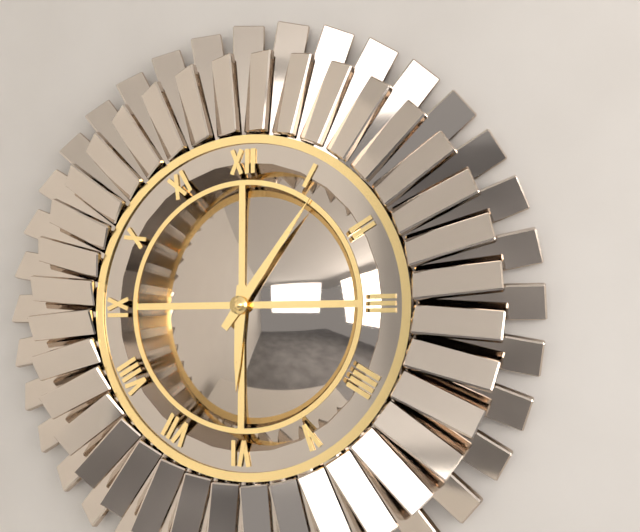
{"hour": 6, "minute": 6}
